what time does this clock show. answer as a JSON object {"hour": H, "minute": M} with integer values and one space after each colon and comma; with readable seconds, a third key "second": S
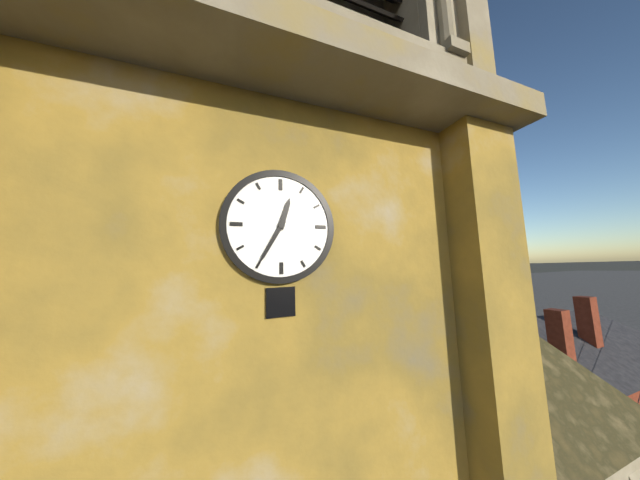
{"hour": 12, "minute": 35}
